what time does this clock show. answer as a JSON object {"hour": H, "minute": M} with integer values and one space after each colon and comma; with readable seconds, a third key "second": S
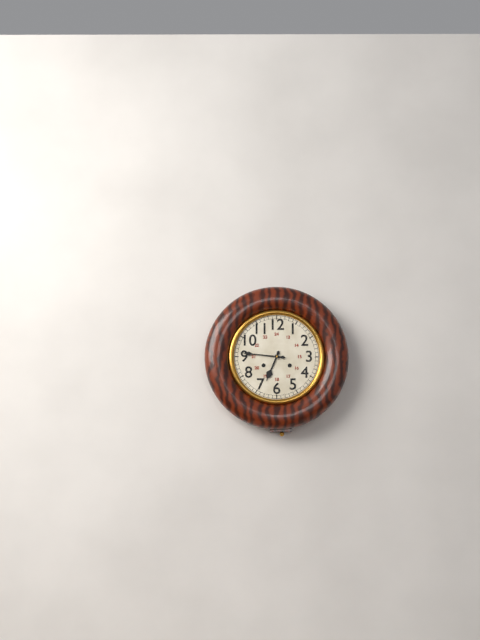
{"hour": 6, "minute": 46}
